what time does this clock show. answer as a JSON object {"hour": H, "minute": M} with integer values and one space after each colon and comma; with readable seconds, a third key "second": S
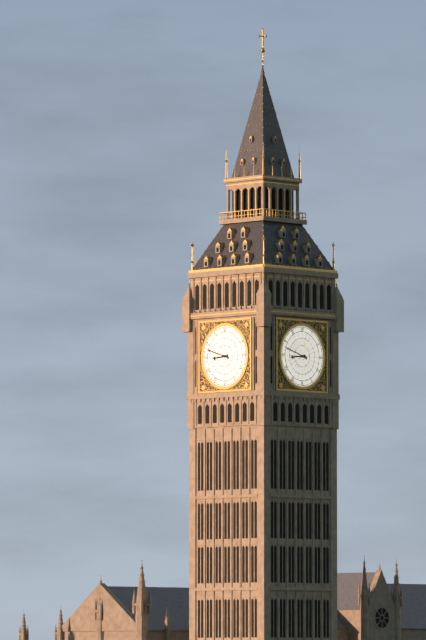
{"hour": 8, "minute": 48}
